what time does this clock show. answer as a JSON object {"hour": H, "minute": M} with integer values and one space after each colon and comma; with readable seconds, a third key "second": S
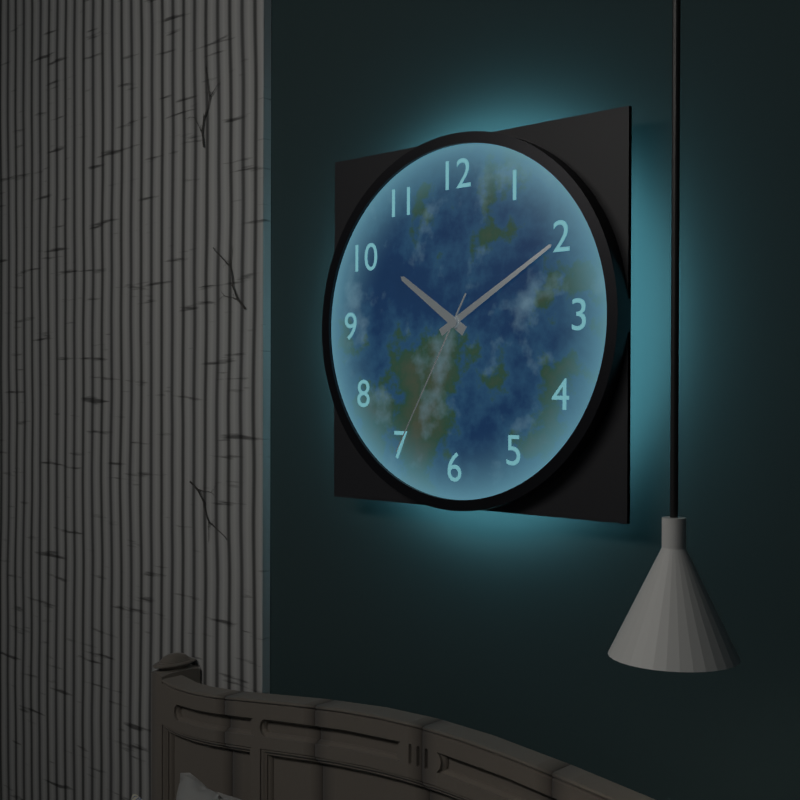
{"hour": 10, "minute": 10, "second": 35}
